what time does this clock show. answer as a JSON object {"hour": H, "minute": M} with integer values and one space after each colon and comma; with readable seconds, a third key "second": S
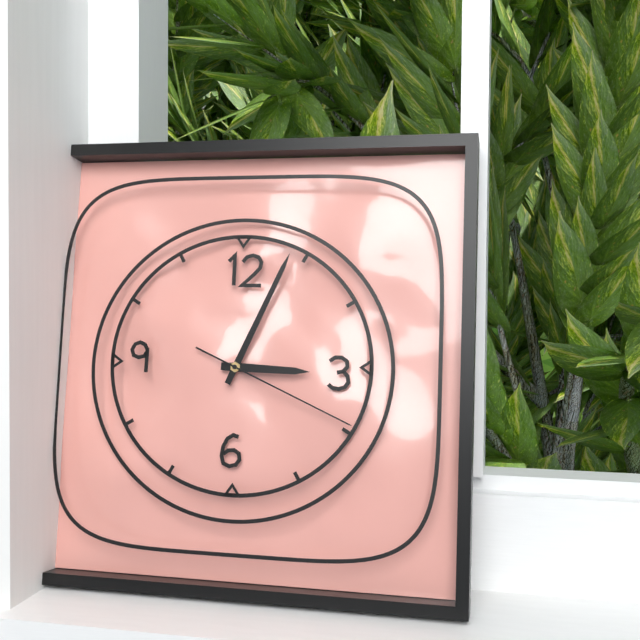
{"hour": 3, "minute": 4, "second": 19}
